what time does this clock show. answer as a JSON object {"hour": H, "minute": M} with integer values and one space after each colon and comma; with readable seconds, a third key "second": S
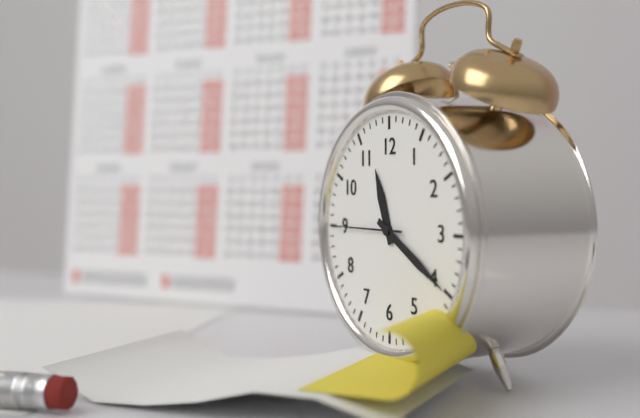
{"hour": 11, "minute": 20, "second": 45}
